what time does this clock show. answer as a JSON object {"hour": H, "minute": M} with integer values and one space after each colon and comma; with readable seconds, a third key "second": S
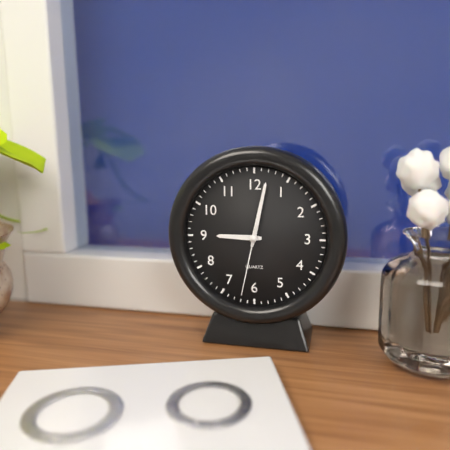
{"hour": 9, "minute": 2, "second": 32}
